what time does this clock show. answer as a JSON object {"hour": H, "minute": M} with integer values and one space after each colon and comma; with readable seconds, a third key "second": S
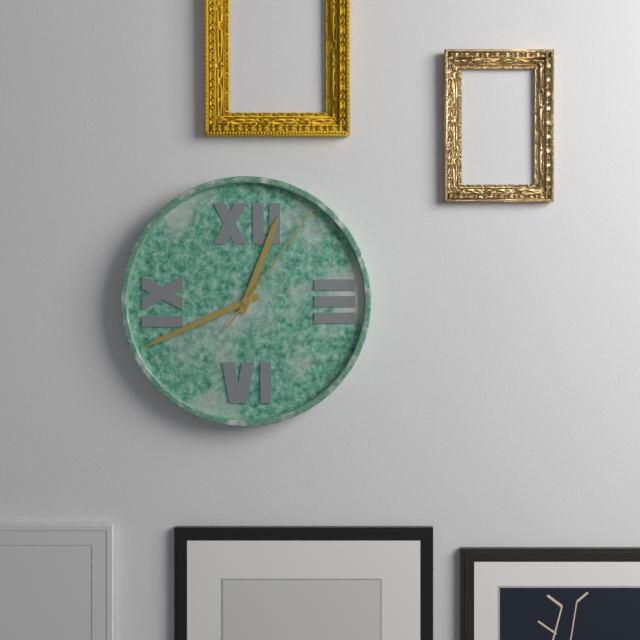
{"hour": 12, "minute": 41, "second": 6}
